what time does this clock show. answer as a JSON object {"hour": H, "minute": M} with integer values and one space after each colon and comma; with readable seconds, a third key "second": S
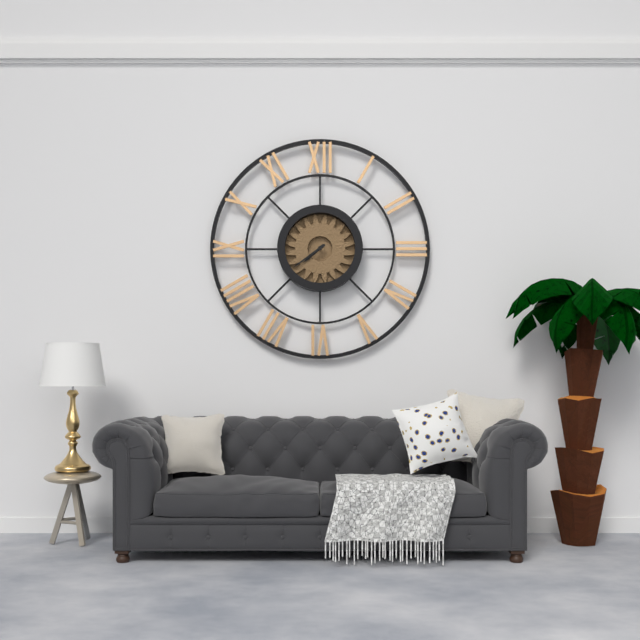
{"hour": 7, "minute": 39}
